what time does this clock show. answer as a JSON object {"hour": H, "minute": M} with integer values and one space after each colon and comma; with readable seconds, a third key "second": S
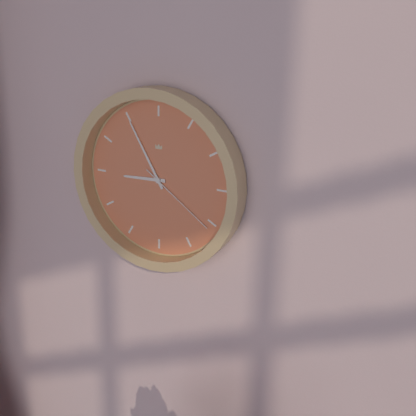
{"hour": 8, "minute": 55, "second": 21}
